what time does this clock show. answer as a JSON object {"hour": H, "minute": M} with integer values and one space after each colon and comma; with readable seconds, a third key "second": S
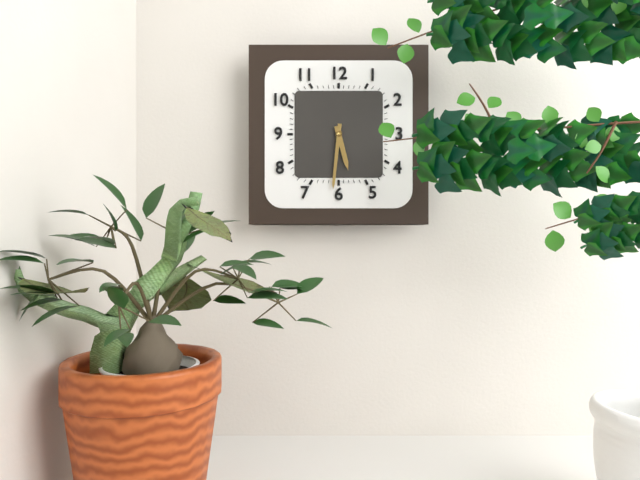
{"hour": 5, "minute": 31}
